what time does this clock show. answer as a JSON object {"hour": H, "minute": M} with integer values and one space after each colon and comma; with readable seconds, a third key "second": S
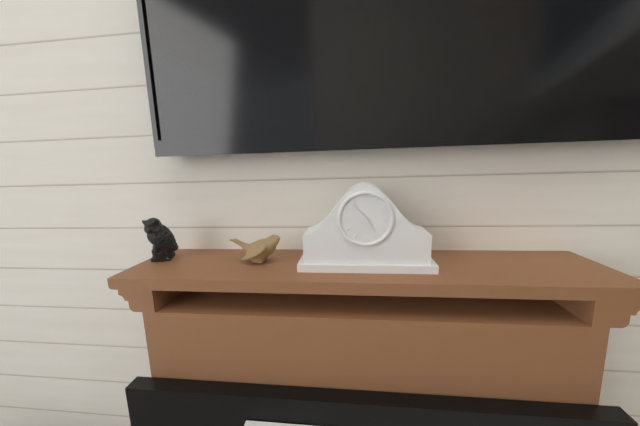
{"hour": 4, "minute": 53}
